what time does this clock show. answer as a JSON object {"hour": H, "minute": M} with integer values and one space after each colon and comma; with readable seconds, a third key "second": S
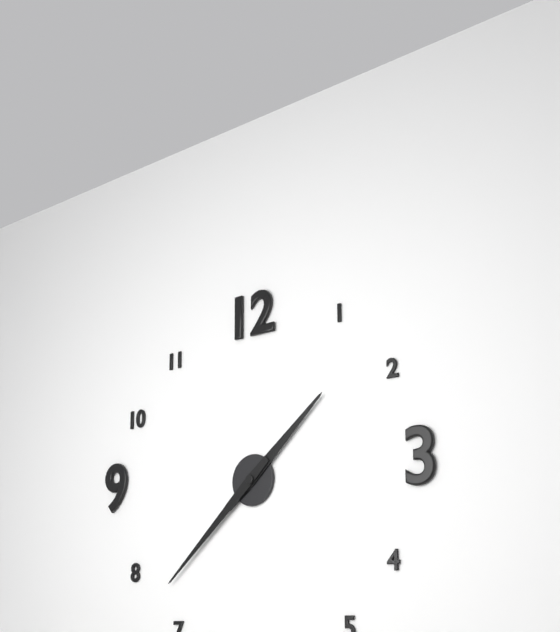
{"hour": 1, "minute": 38}
